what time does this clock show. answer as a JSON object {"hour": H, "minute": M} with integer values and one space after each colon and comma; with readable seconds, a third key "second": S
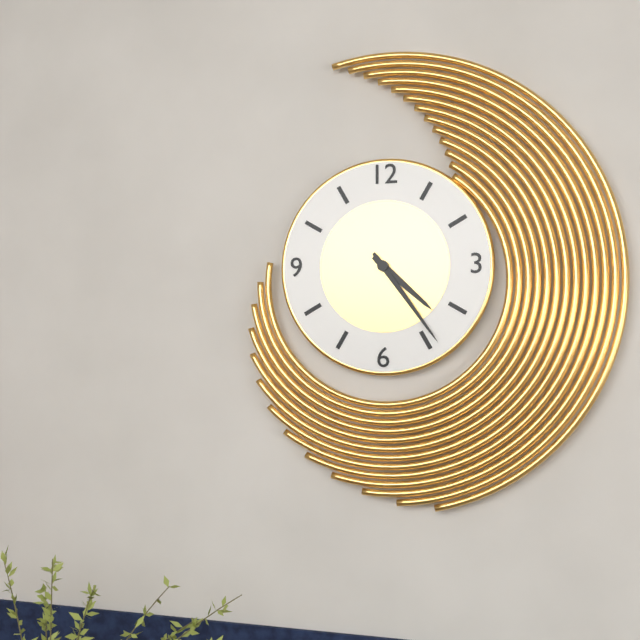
{"hour": 4, "minute": 24}
